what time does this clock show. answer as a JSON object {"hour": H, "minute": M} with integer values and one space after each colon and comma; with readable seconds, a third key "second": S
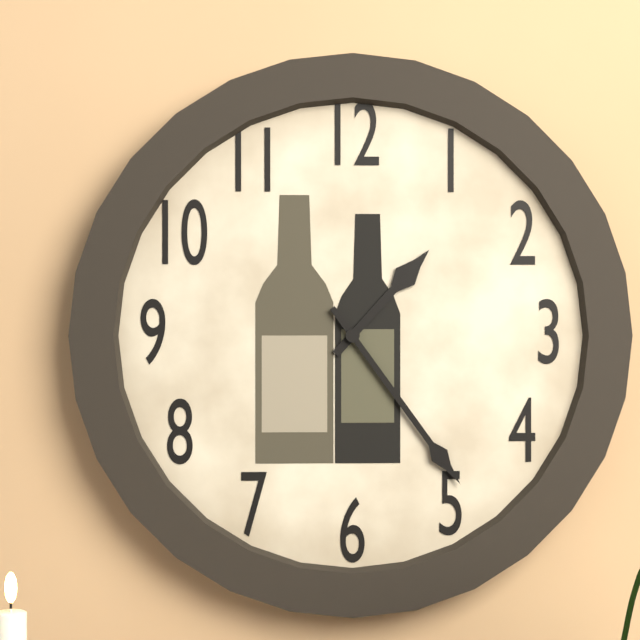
{"hour": 1, "minute": 24}
